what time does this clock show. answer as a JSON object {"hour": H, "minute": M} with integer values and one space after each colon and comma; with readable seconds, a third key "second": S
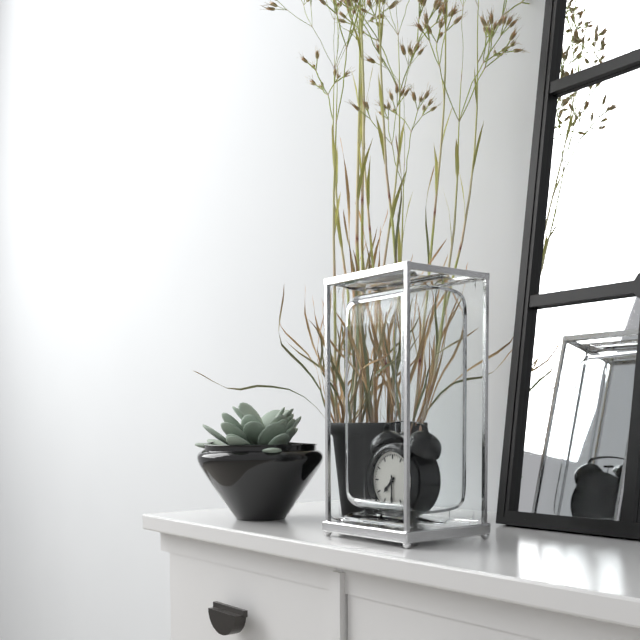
{"hour": 7, "minute": 30}
